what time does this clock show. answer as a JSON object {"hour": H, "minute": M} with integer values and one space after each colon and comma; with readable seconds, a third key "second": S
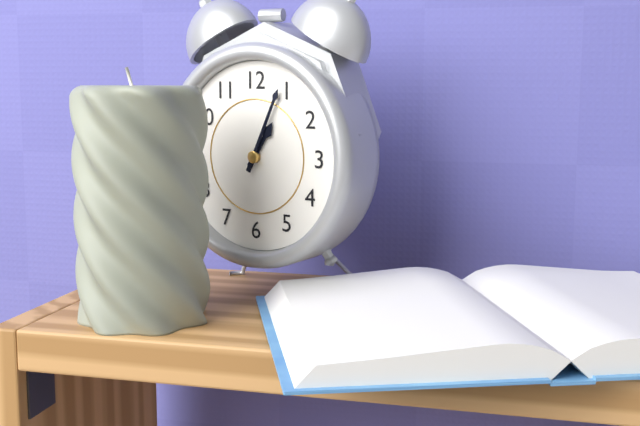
{"hour": 1, "minute": 4}
